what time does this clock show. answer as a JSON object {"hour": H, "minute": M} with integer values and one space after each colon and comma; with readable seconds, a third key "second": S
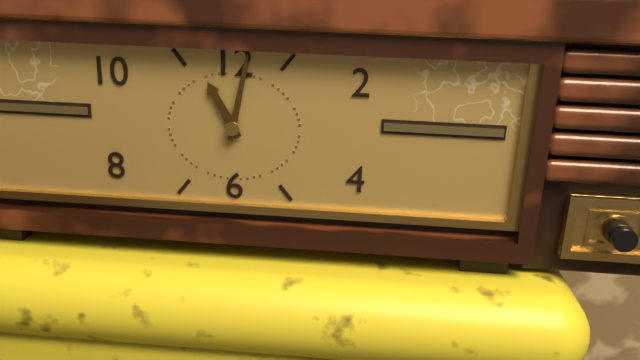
{"hour": 11, "minute": 2}
